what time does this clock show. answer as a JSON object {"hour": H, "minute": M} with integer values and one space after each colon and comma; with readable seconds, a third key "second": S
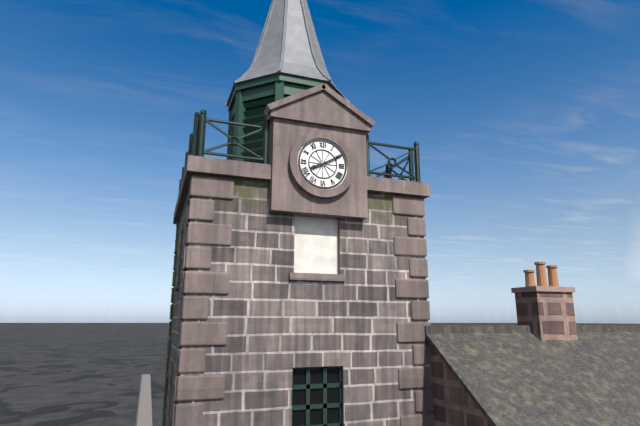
{"hour": 8, "minute": 10}
